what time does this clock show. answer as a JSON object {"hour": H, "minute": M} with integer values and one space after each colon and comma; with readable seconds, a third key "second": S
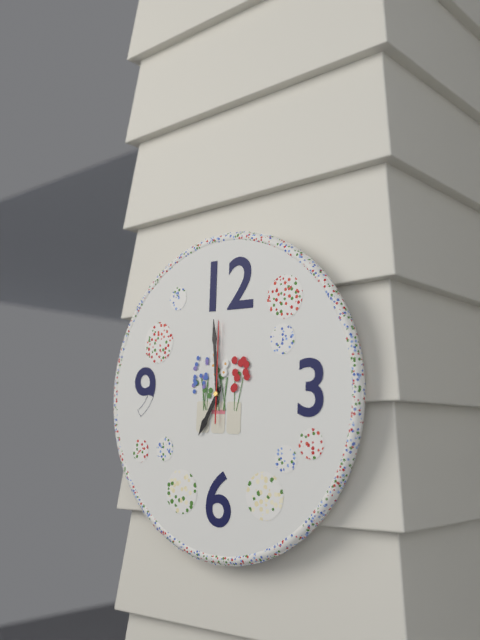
{"hour": 6, "minute": 59, "second": 0}
